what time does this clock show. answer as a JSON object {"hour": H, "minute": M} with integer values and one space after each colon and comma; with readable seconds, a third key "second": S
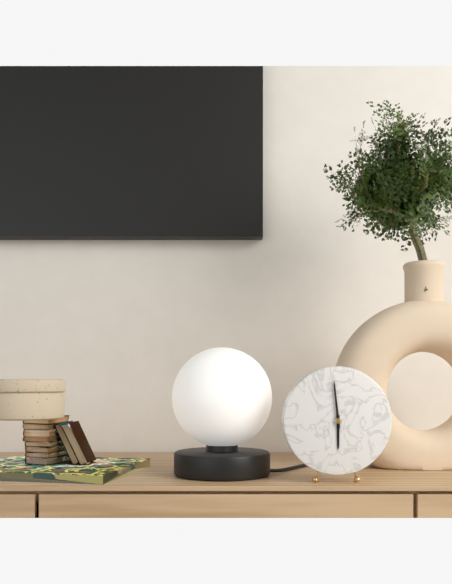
{"hour": 5, "minute": 59}
